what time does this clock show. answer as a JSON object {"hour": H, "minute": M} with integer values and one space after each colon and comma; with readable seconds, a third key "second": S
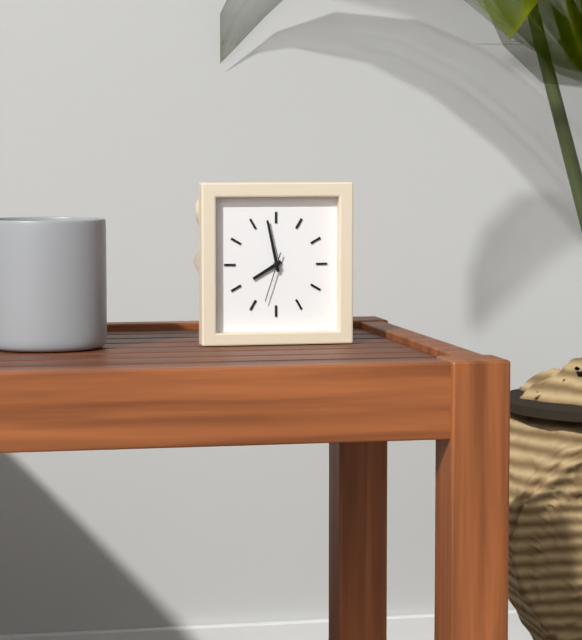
{"hour": 7, "minute": 58}
